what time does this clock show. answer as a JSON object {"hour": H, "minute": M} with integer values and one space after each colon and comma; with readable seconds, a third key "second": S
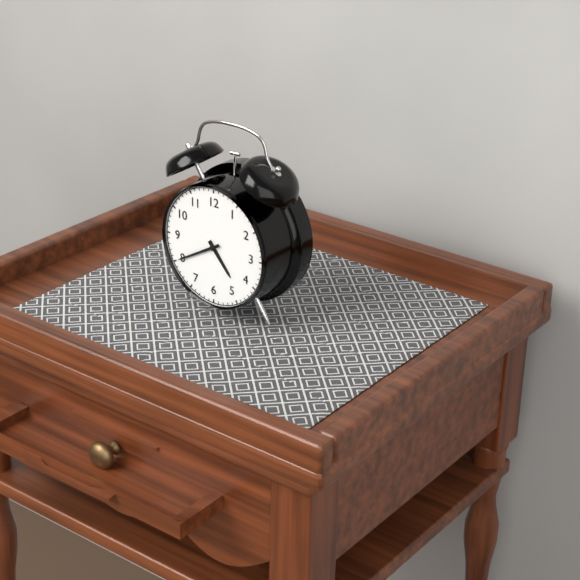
{"hour": 4, "minute": 40}
